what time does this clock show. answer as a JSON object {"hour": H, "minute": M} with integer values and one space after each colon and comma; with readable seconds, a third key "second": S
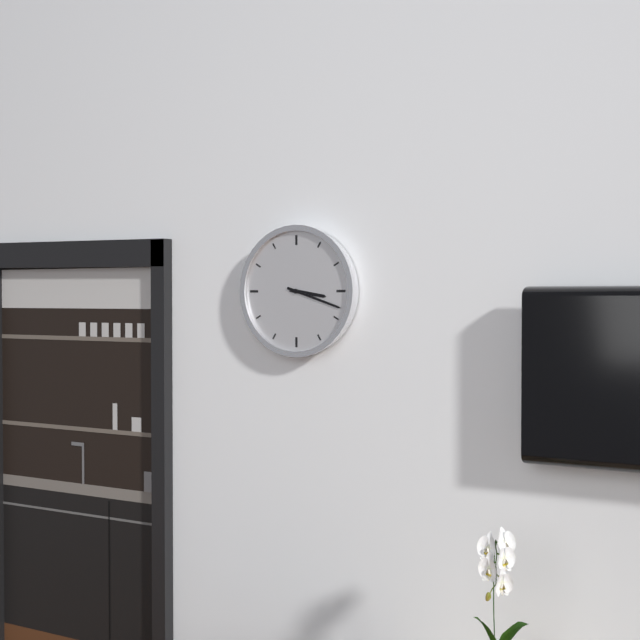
{"hour": 3, "minute": 18}
